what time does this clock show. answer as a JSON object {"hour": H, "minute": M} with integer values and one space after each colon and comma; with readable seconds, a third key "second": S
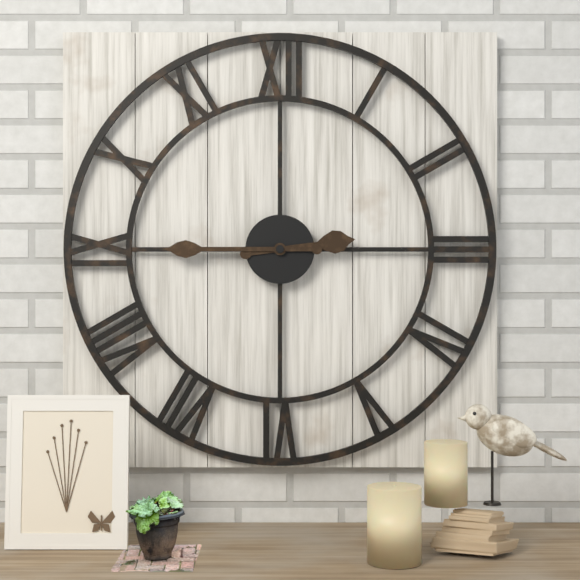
{"hour": 2, "minute": 45}
